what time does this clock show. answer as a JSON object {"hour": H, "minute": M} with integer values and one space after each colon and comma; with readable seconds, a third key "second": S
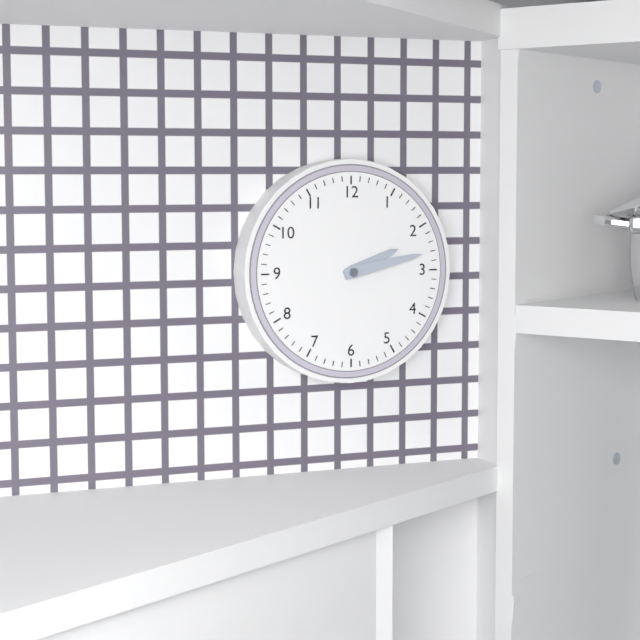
{"hour": 2, "minute": 13}
